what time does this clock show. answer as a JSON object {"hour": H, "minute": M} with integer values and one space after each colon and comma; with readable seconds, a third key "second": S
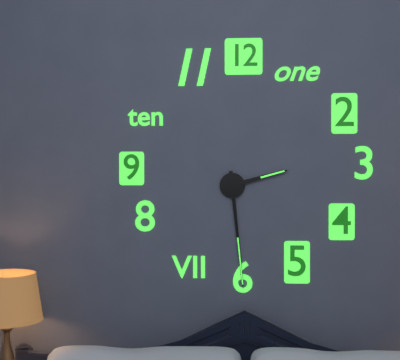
{"hour": 2, "minute": 29}
